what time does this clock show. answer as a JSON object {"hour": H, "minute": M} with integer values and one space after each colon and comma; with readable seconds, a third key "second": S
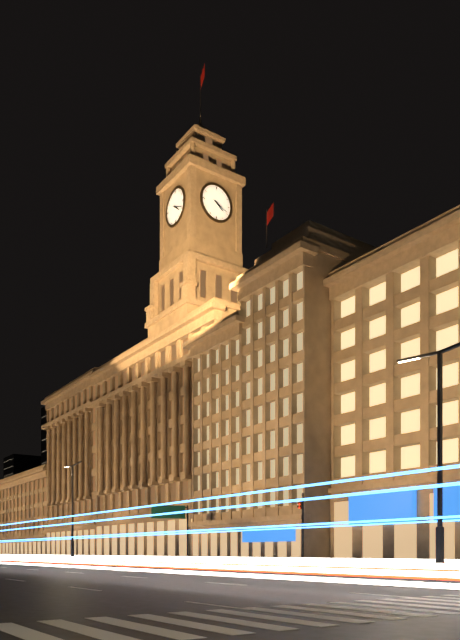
{"hour": 4, "minute": 19}
